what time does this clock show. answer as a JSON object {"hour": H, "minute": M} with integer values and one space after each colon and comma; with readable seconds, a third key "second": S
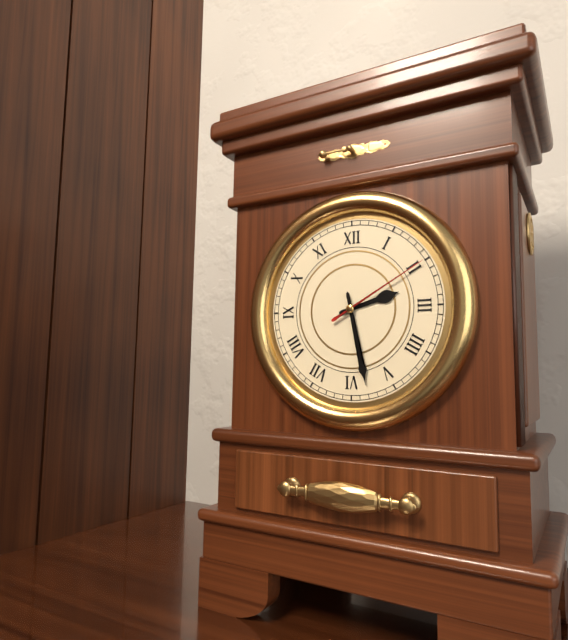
{"hour": 2, "minute": 28, "second": 10}
